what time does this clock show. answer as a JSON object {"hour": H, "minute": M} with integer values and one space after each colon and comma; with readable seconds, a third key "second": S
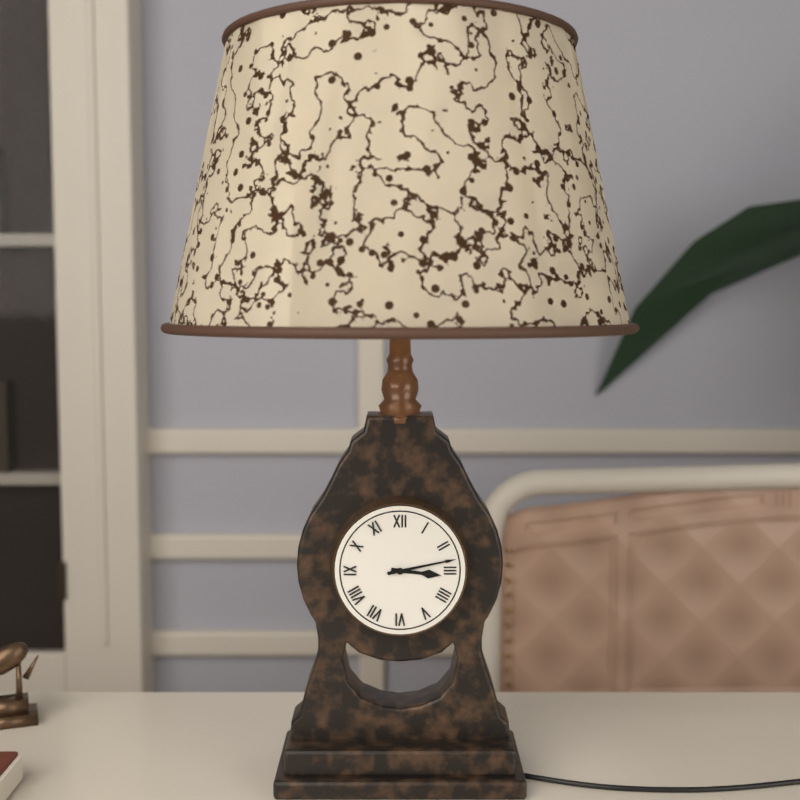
{"hour": 3, "minute": 13}
